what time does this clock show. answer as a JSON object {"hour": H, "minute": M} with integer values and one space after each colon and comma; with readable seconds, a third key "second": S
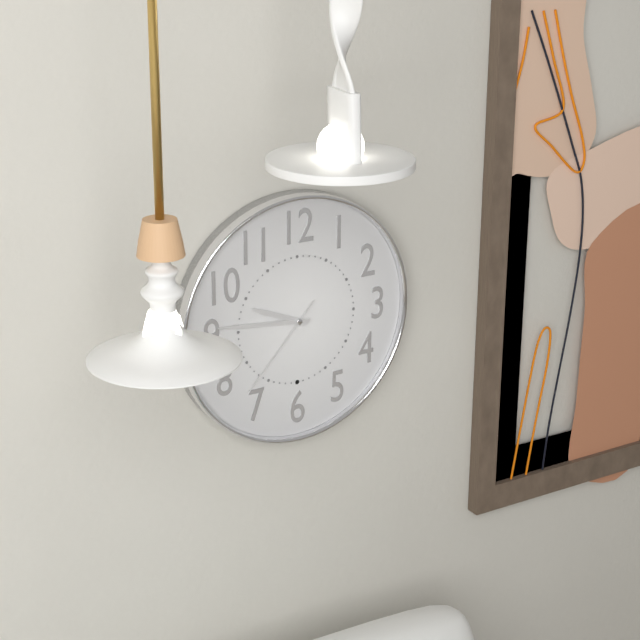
{"hour": 9, "minute": 46, "second": 37}
